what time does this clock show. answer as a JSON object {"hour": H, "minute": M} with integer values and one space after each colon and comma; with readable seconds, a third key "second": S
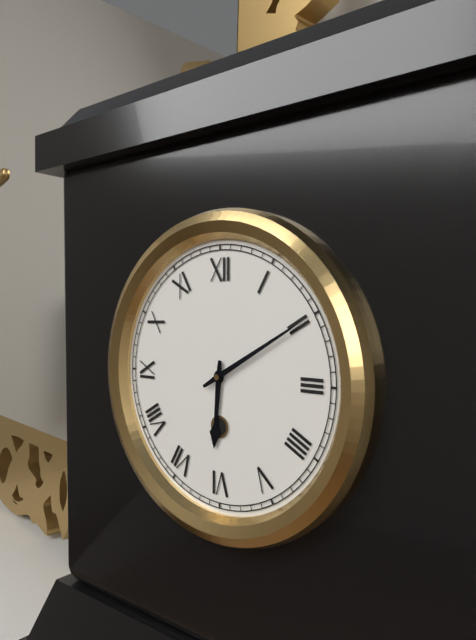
{"hour": 6, "minute": 10}
